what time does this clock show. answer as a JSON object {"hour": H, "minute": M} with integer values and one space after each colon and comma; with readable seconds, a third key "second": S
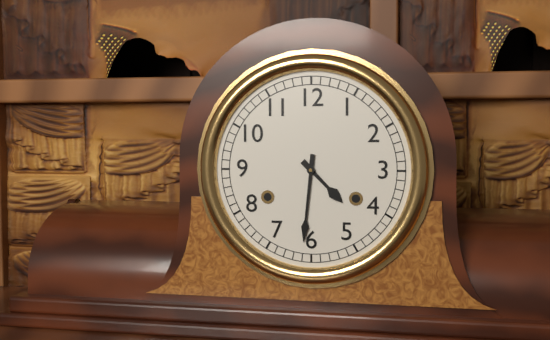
{"hour": 4, "minute": 31}
